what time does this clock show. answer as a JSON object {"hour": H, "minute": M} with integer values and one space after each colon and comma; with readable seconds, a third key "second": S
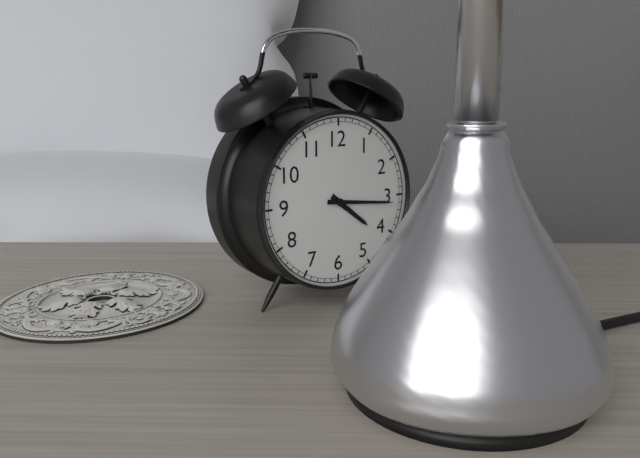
{"hour": 4, "minute": 16}
